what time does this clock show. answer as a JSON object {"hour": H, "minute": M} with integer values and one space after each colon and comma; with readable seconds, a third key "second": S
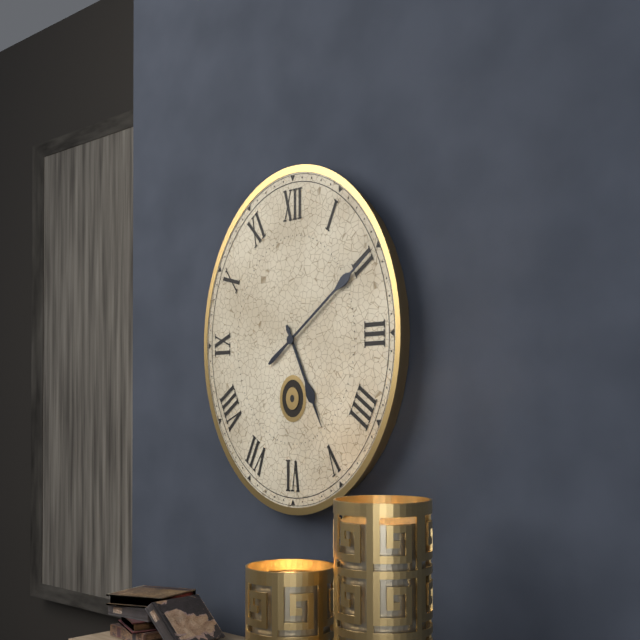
{"hour": 5, "minute": 9}
